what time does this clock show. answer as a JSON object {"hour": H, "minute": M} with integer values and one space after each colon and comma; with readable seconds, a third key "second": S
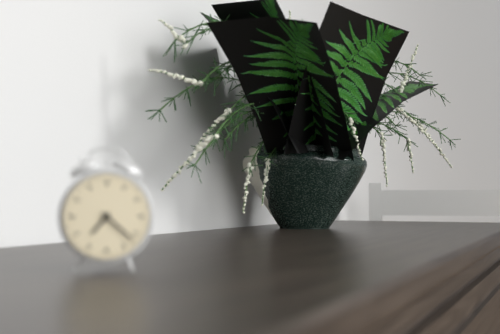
{"hour": 7, "minute": 22}
